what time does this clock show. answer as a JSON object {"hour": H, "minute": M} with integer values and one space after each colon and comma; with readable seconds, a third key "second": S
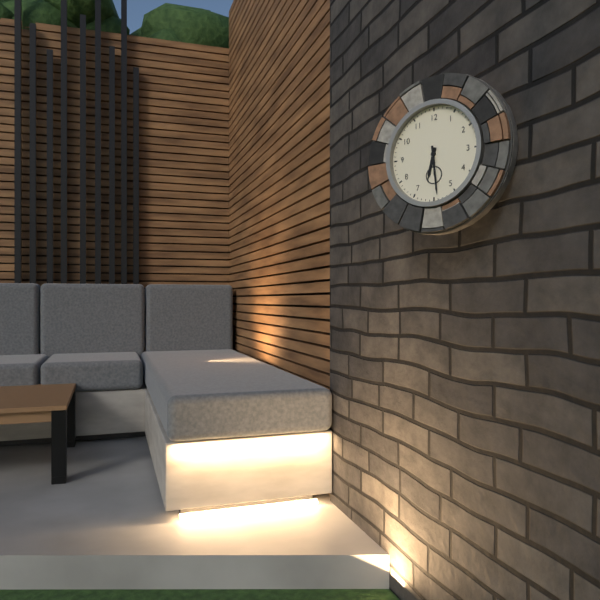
{"hour": 6, "minute": 29}
